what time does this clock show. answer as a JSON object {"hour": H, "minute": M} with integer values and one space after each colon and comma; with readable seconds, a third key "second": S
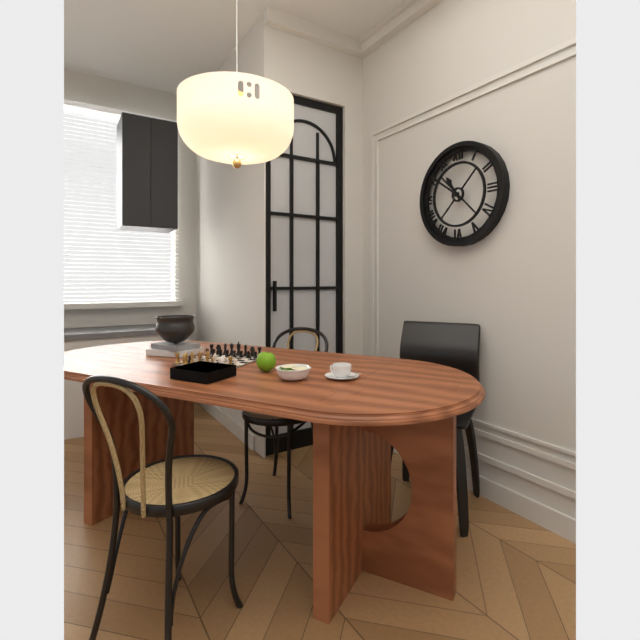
{"hour": 10, "minute": 51}
